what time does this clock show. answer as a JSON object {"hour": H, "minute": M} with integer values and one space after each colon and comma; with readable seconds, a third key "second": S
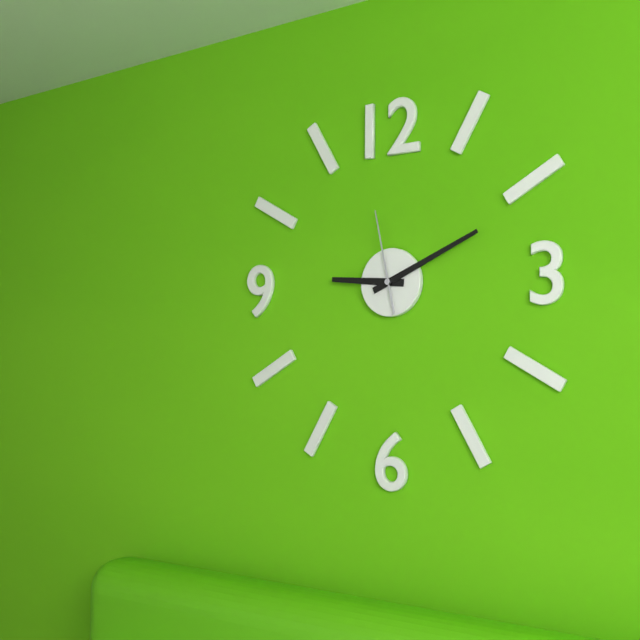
{"hour": 9, "minute": 11, "second": 58}
